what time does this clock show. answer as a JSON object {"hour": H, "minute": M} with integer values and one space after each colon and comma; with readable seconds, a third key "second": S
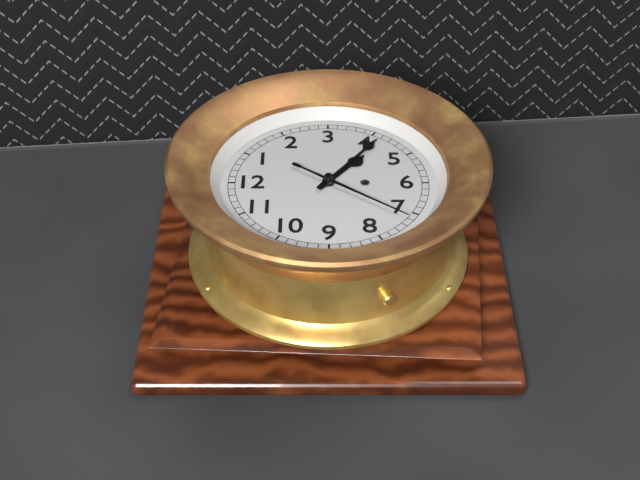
{"hour": 4, "minute": 21, "second": 36}
